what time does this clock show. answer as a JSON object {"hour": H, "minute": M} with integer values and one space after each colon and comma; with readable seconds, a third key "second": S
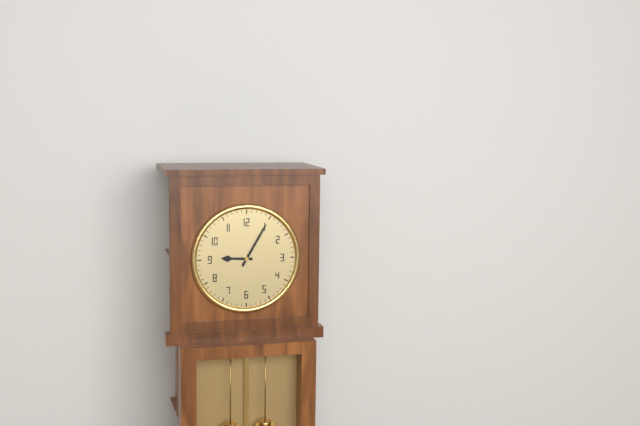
{"hour": 9, "minute": 5}
